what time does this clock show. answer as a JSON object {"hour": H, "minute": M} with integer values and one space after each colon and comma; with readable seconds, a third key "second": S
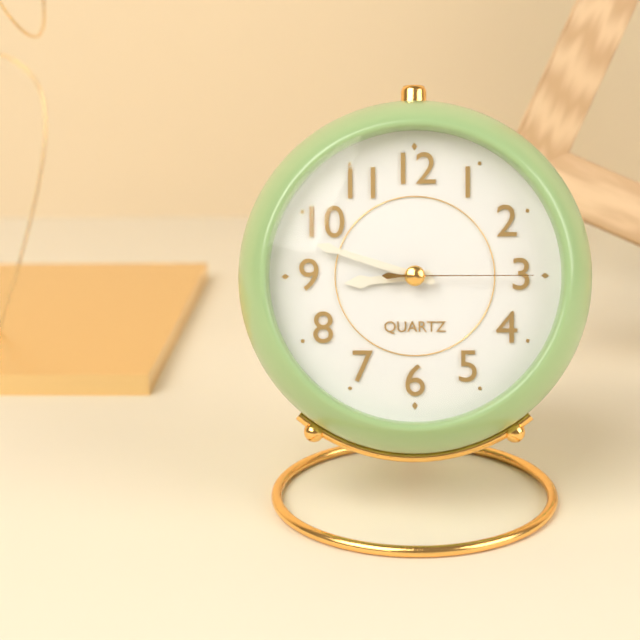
{"hour": 8, "minute": 48, "second": 15}
